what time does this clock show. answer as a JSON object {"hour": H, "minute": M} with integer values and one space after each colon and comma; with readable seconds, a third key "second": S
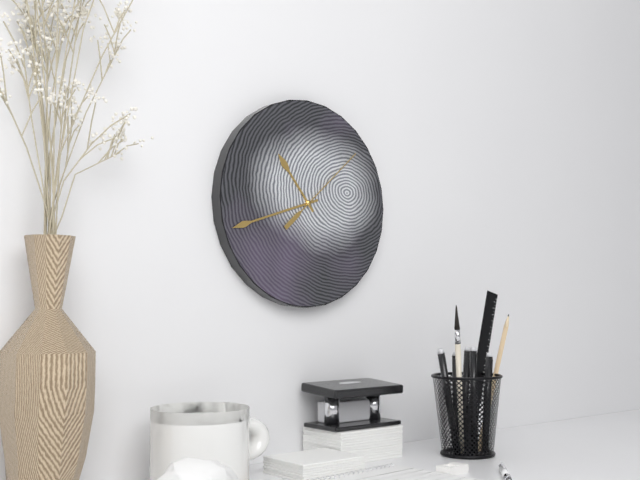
{"hour": 10, "minute": 42, "second": 8}
